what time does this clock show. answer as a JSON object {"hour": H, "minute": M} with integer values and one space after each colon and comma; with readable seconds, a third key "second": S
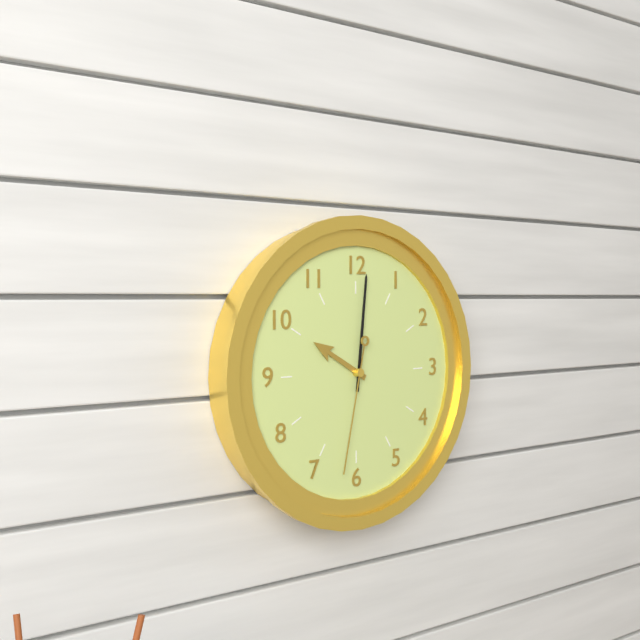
{"hour": 10, "minute": 1, "second": 32}
